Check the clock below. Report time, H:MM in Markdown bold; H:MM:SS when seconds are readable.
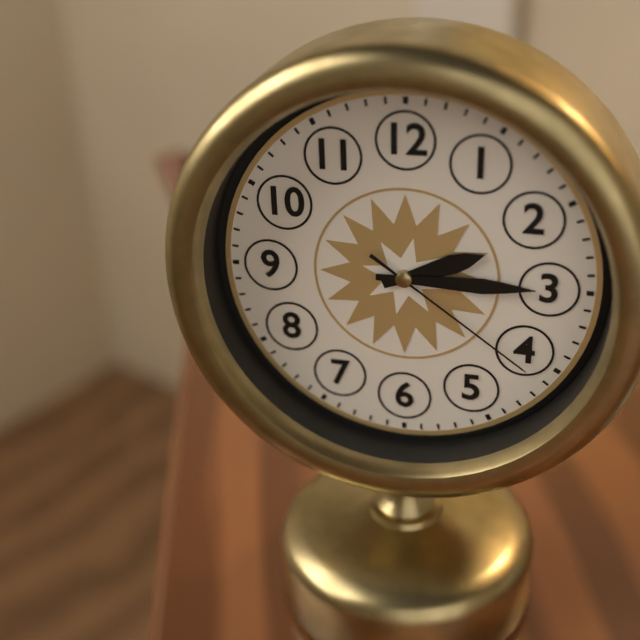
**2:15:21**
